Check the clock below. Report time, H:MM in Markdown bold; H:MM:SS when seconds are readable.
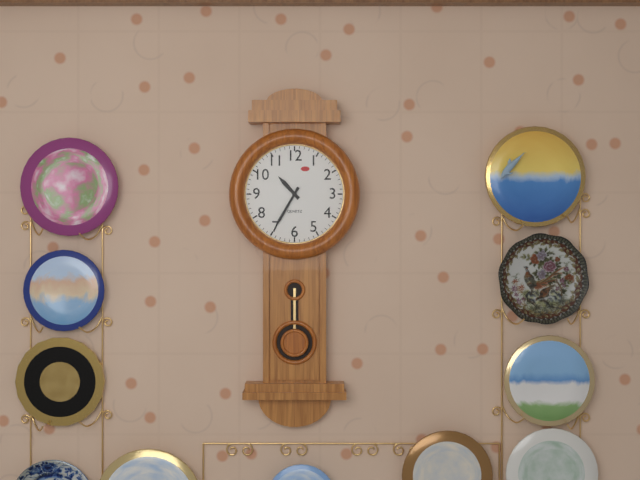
**10:35**
